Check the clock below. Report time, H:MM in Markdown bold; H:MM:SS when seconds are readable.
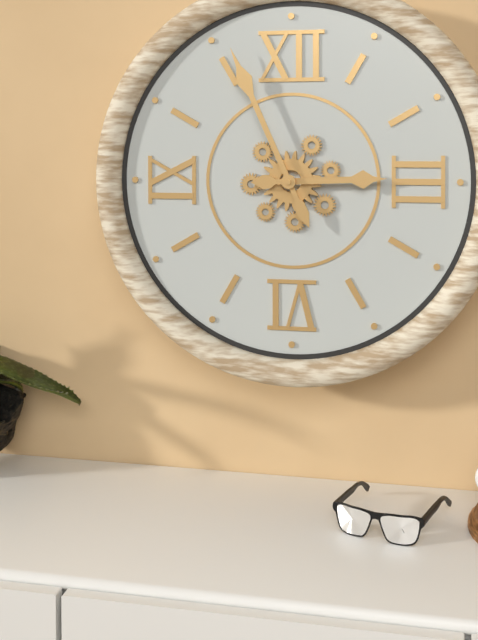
**2:56**
